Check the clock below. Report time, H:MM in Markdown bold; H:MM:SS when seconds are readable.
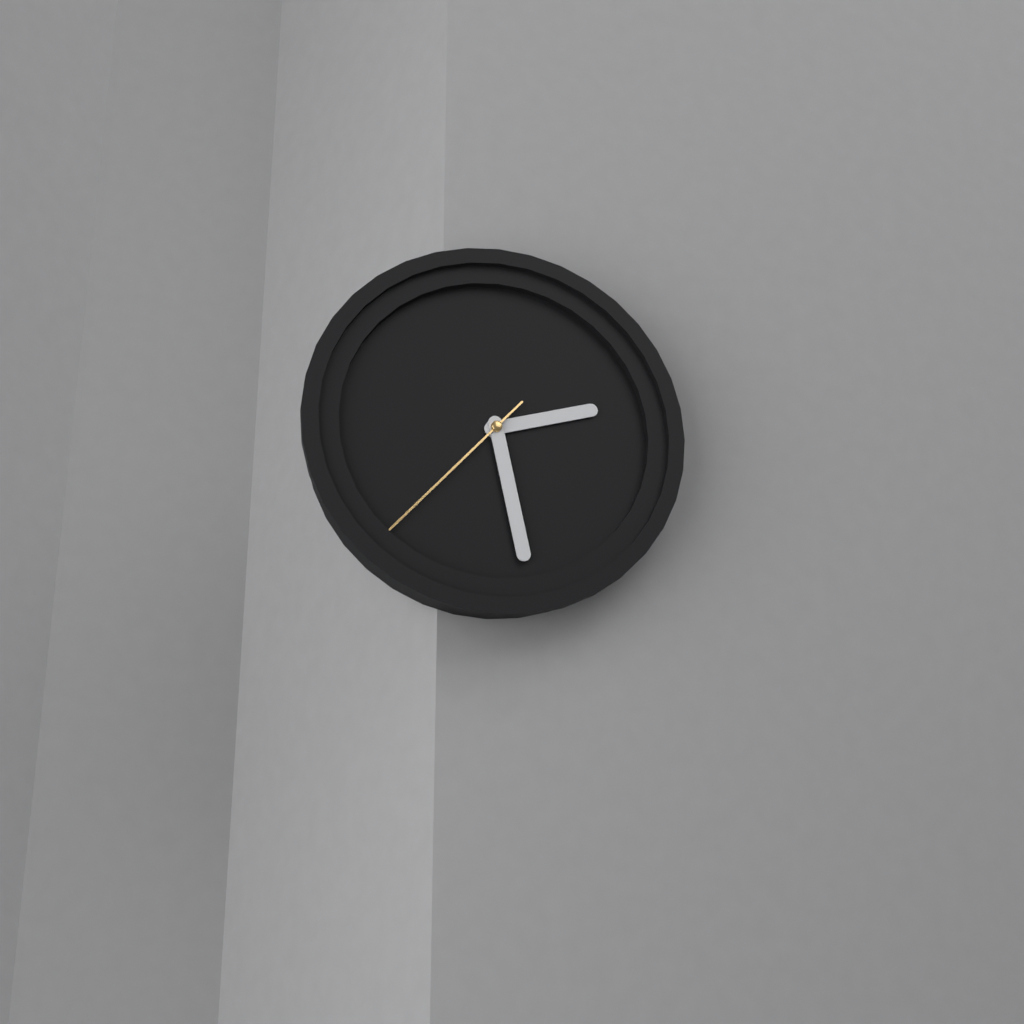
**2:28:37**
